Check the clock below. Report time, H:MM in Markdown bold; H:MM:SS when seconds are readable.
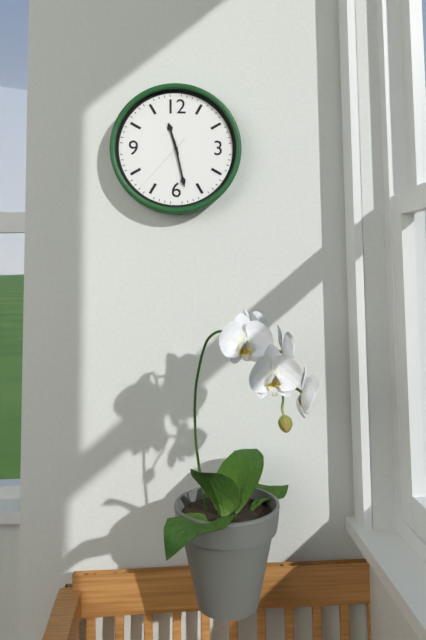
**11:28:37**
